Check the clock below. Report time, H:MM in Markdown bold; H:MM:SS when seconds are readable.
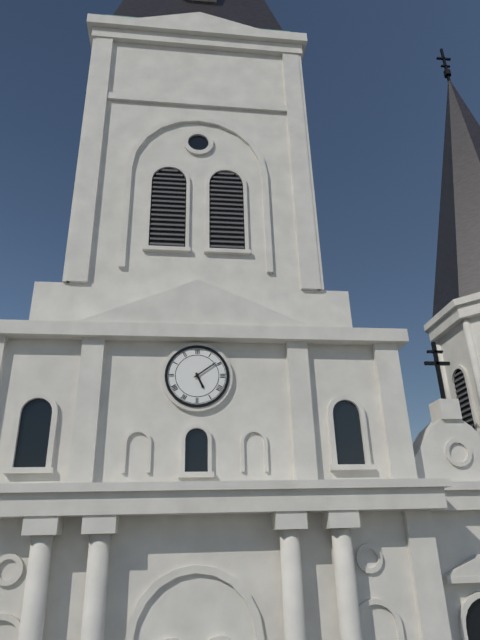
**5:09**
